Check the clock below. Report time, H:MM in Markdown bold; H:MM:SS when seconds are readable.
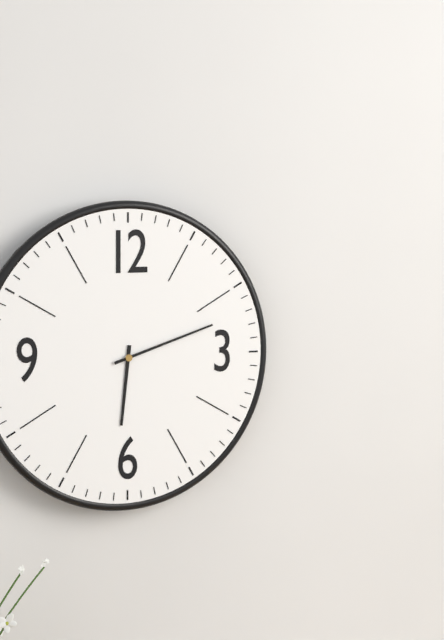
**6:12**
